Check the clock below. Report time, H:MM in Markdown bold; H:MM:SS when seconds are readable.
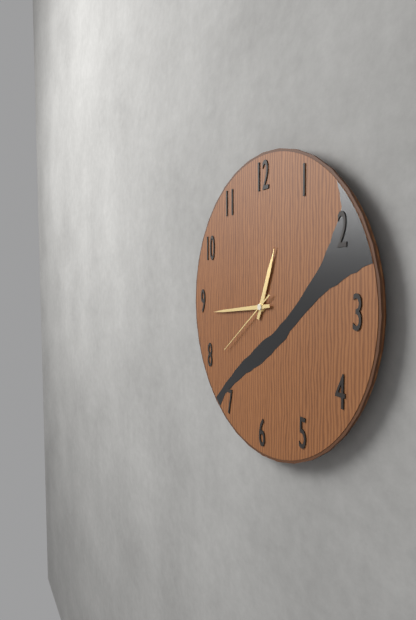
**12:44:39**
